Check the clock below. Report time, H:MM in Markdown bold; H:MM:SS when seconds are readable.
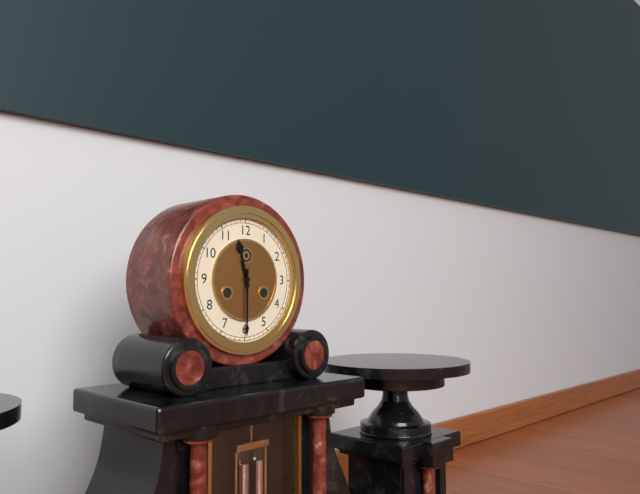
**11:30**
